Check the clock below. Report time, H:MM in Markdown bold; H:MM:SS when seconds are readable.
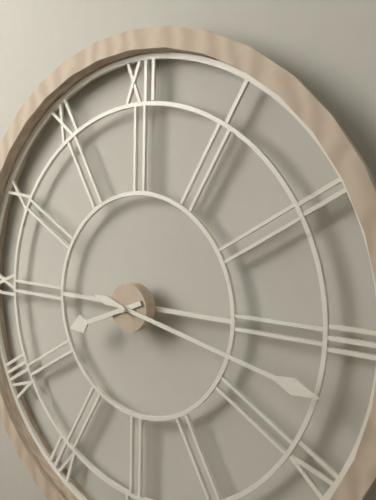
**8:17**
